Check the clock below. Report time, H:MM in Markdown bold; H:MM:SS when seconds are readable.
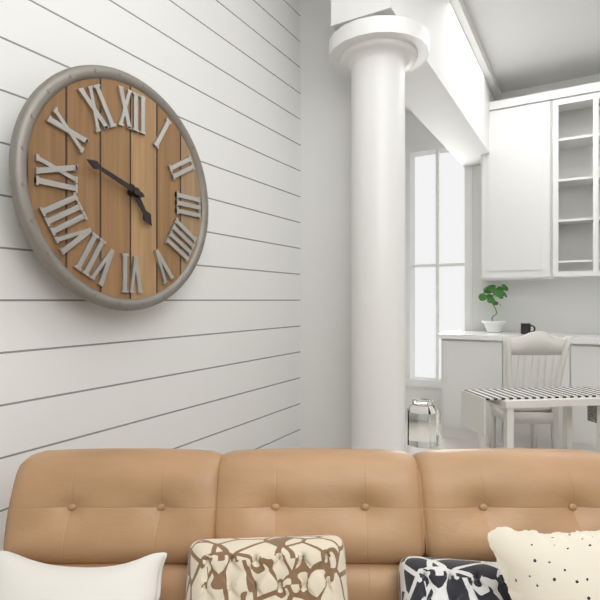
**4:48**
